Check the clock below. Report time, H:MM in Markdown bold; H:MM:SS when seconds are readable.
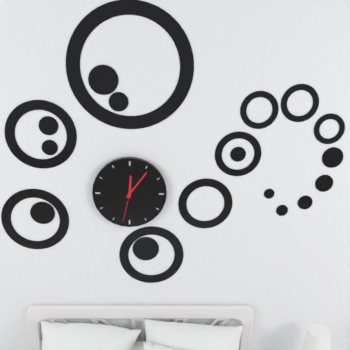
**12:06**
